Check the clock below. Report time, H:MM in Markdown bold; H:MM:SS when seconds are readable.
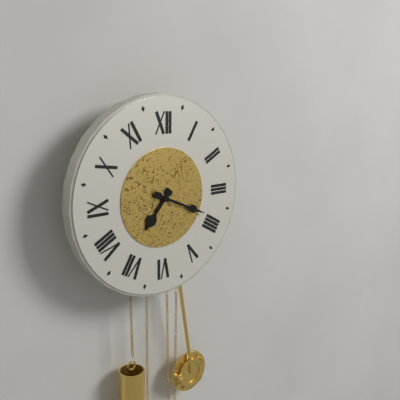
**7:19**
